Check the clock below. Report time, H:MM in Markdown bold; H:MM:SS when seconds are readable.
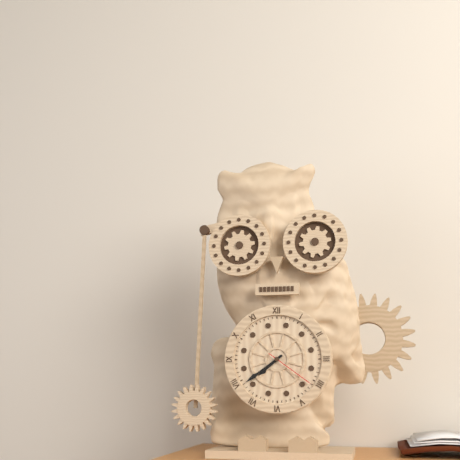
**7:39:21**
